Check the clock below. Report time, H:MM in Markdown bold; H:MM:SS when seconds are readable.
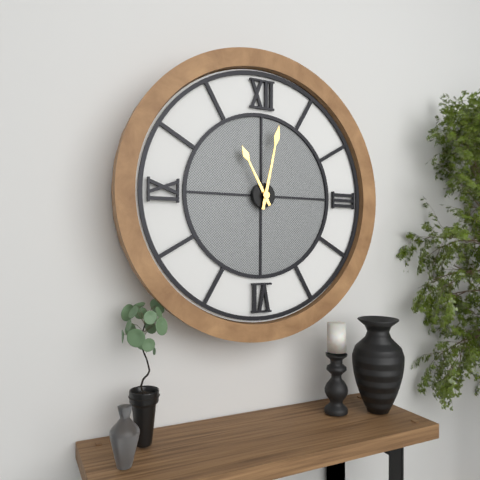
**11:02**
